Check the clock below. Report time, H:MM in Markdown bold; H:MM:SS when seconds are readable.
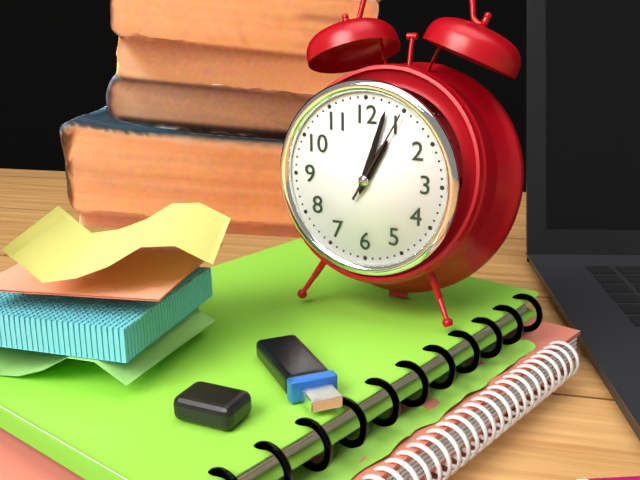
**1:03:05**
